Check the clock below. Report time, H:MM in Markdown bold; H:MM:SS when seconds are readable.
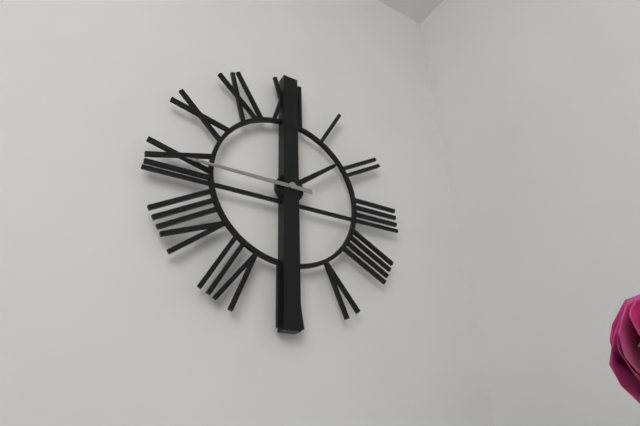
**1:45**
